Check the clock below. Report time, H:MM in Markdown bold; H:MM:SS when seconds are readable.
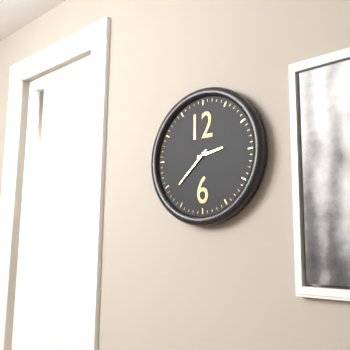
**2:38**
